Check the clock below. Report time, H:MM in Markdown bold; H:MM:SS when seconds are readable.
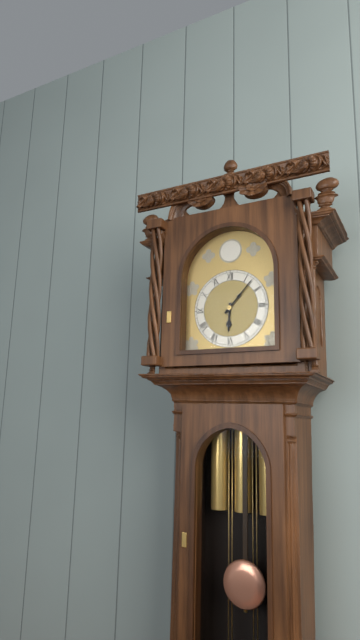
**6:07**
